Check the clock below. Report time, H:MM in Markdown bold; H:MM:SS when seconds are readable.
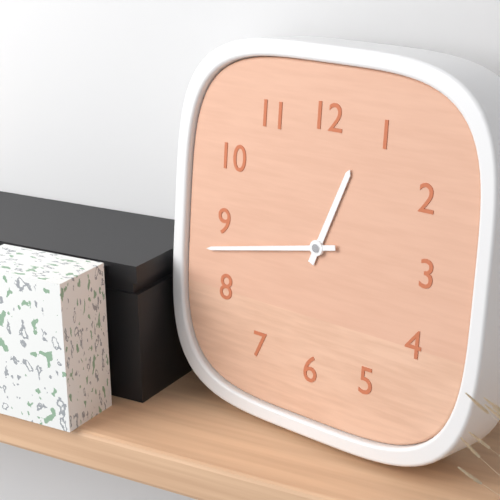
**12:43**
